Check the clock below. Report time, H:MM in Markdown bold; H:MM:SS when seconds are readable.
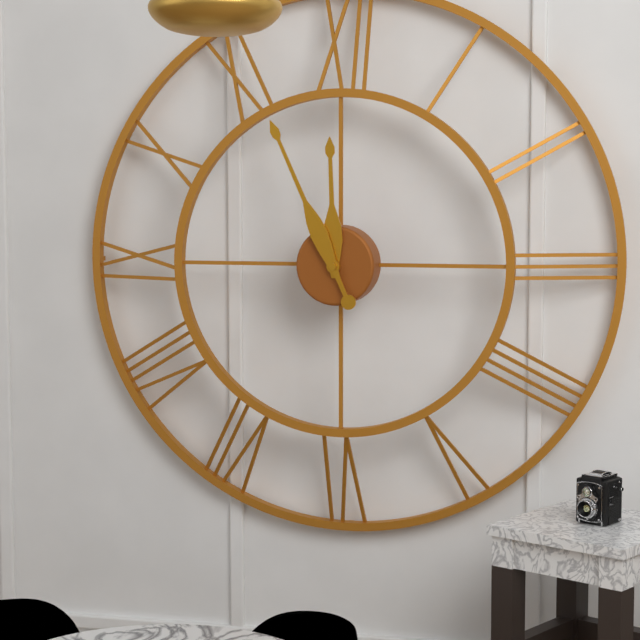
**11:56**
